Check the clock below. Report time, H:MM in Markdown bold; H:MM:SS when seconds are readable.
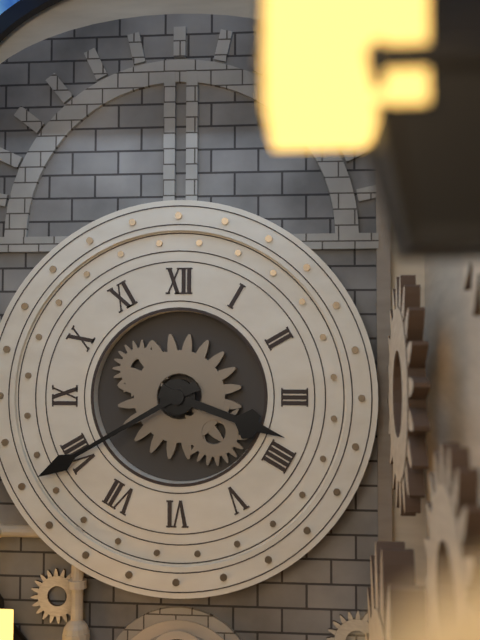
**3:40**
